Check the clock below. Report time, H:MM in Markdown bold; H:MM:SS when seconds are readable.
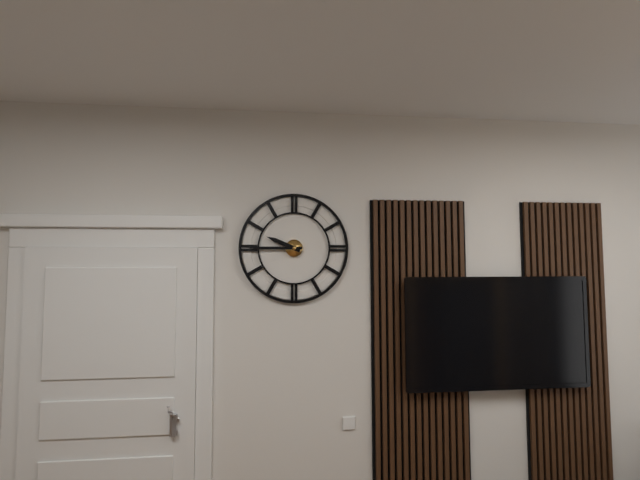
**9:45**
